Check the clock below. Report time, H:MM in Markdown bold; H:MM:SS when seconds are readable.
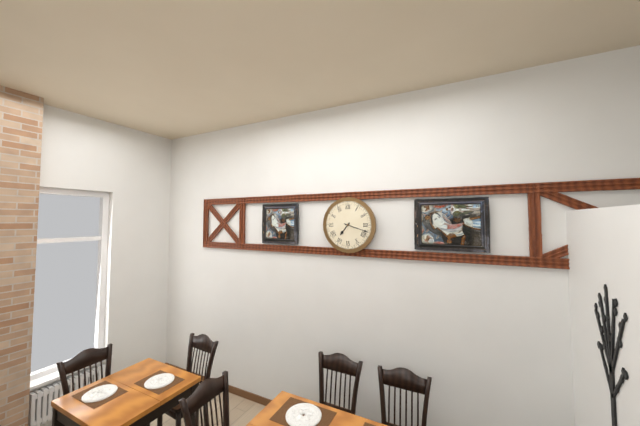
**7:18**
